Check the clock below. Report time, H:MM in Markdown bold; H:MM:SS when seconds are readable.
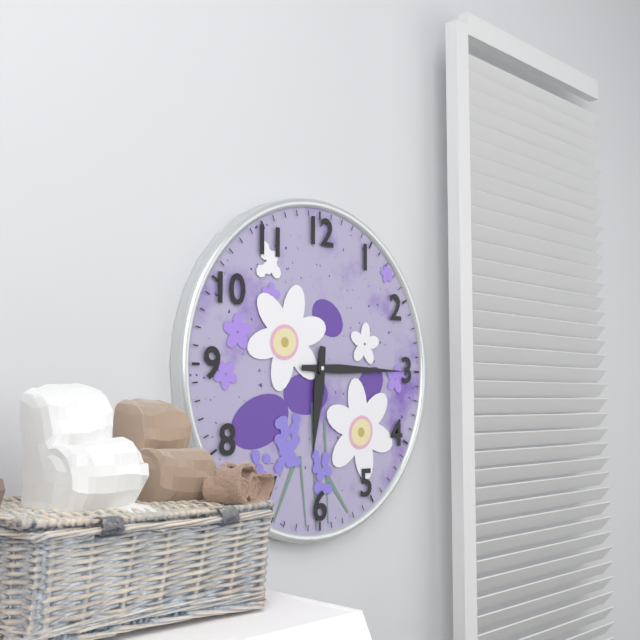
**6:15**
